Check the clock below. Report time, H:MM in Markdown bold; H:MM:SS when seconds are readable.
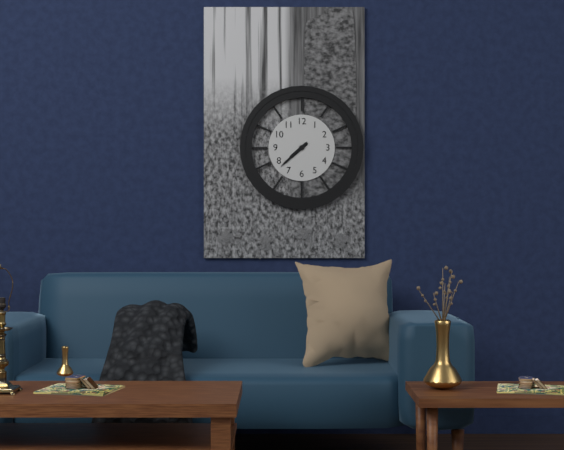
**7:38**
